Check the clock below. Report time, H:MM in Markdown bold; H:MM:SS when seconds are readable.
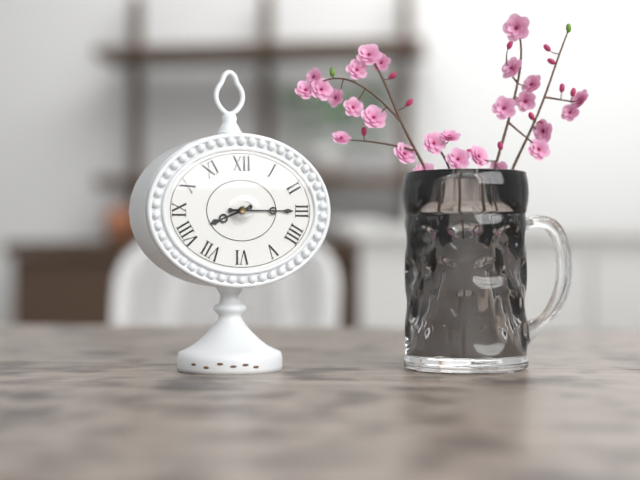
**8:15**
